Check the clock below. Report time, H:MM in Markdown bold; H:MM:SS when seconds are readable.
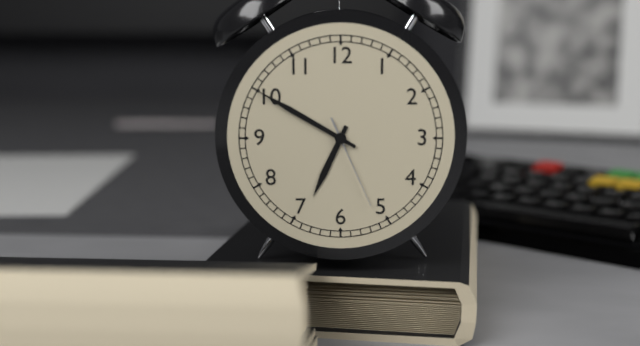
**6:50:26**
